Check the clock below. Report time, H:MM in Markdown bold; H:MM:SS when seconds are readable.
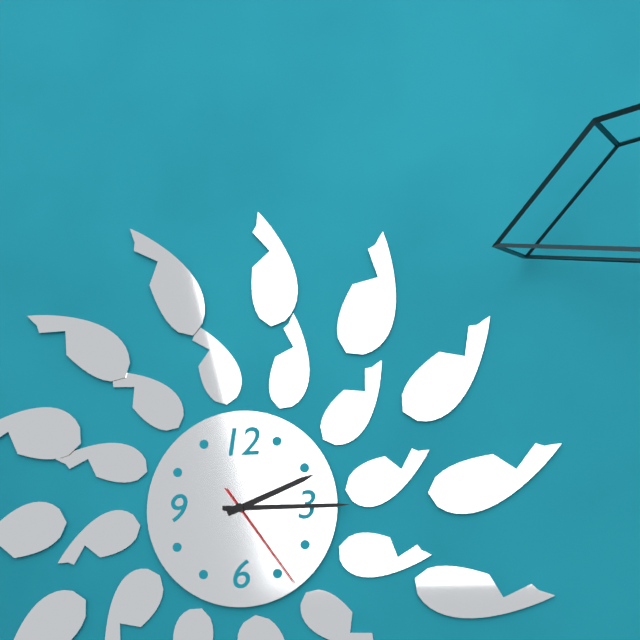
**2:15:24**
